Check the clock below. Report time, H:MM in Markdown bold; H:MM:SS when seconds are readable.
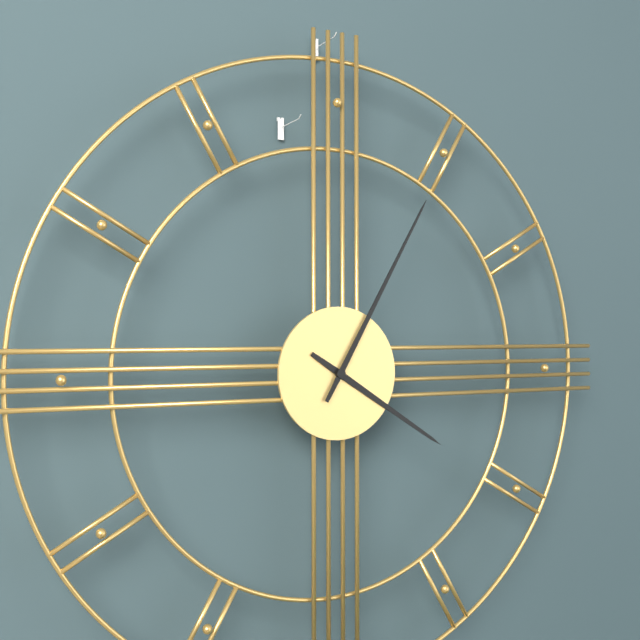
**4:05**
